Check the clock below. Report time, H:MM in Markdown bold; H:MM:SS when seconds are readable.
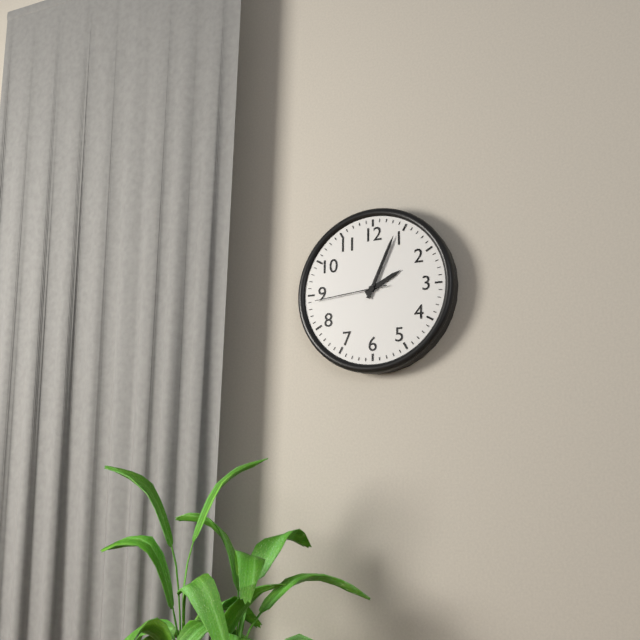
**2:04:44**
